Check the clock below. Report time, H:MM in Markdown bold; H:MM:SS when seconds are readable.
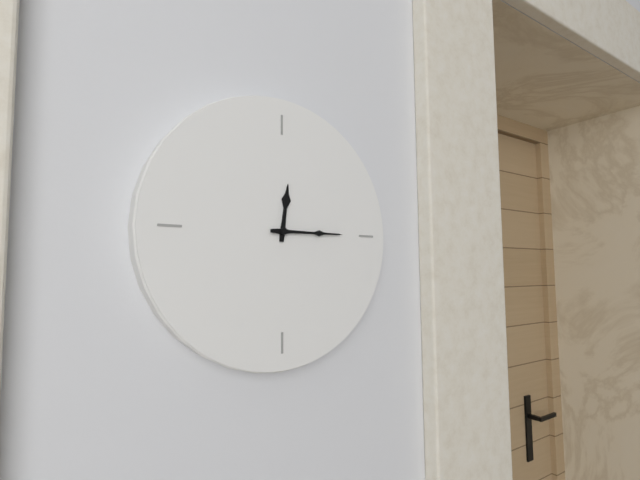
**12:15**
